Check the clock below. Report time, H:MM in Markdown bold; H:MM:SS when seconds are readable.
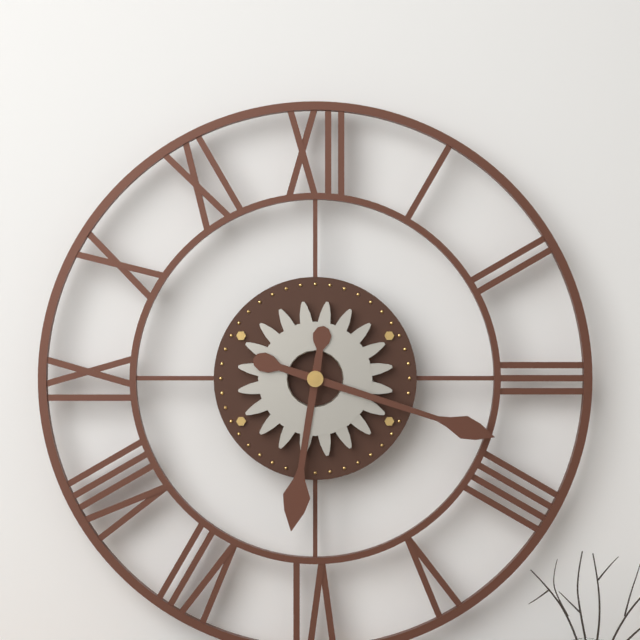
**6:18**
